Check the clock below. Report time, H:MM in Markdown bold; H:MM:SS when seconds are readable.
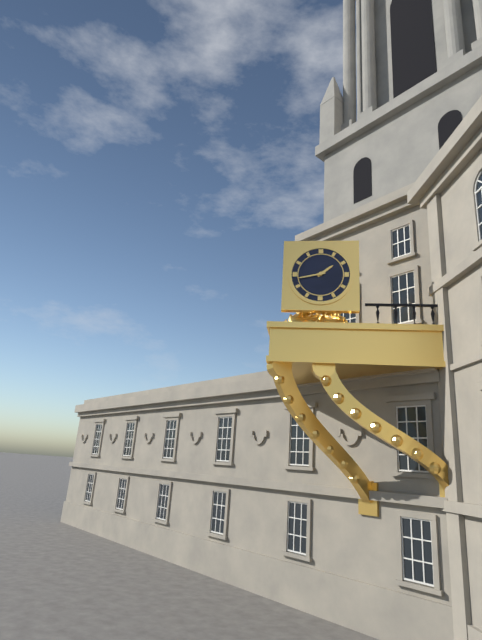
**1:43**
